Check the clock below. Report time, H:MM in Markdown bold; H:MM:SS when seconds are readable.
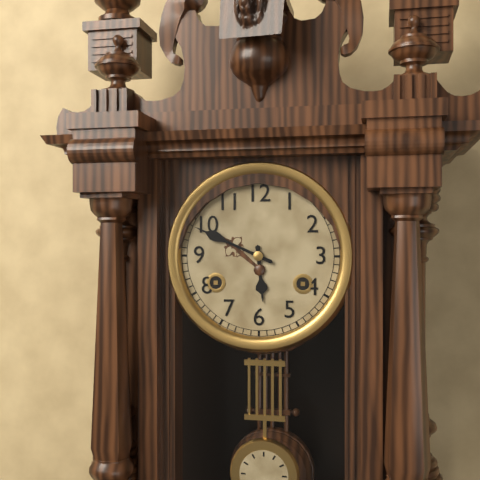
**5:49**
